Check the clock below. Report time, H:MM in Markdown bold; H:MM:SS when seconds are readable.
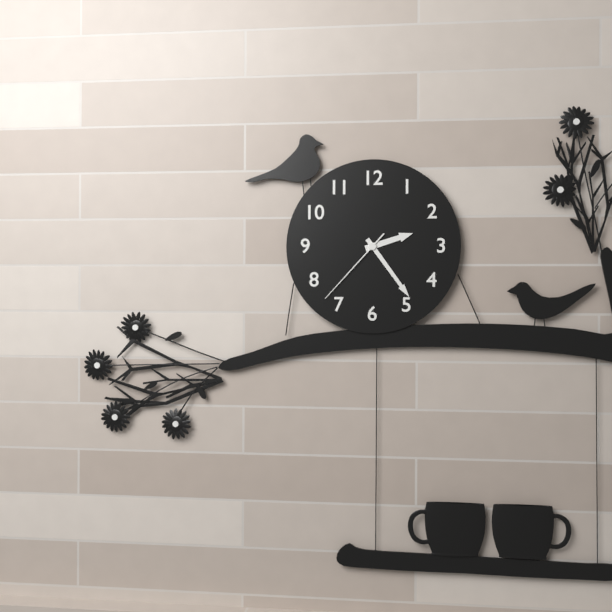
**2:24:37**
